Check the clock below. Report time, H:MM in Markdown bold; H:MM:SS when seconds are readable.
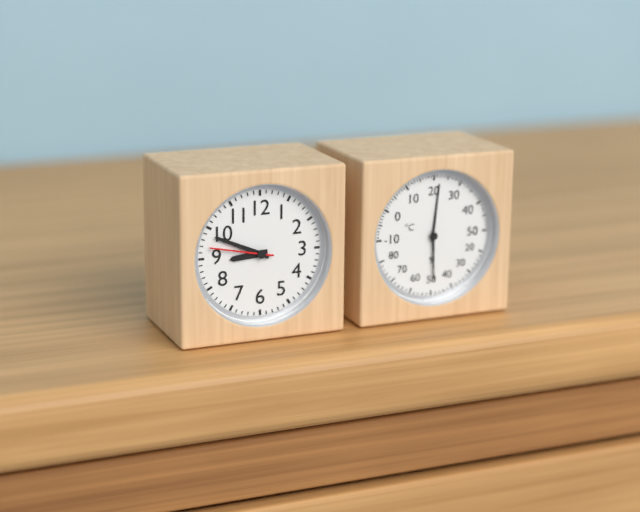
**8:49:47**
